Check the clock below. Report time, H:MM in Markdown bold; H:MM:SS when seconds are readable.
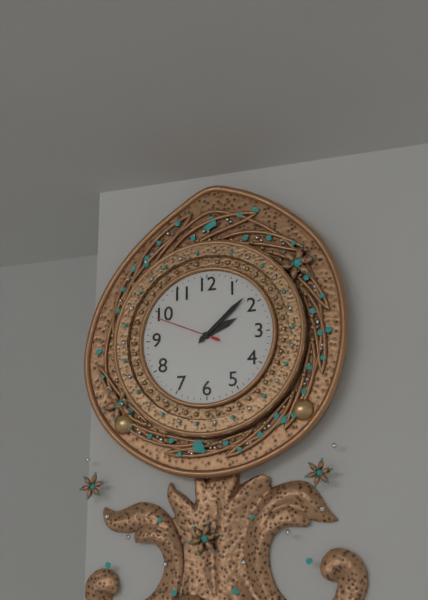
**2:08:49**
